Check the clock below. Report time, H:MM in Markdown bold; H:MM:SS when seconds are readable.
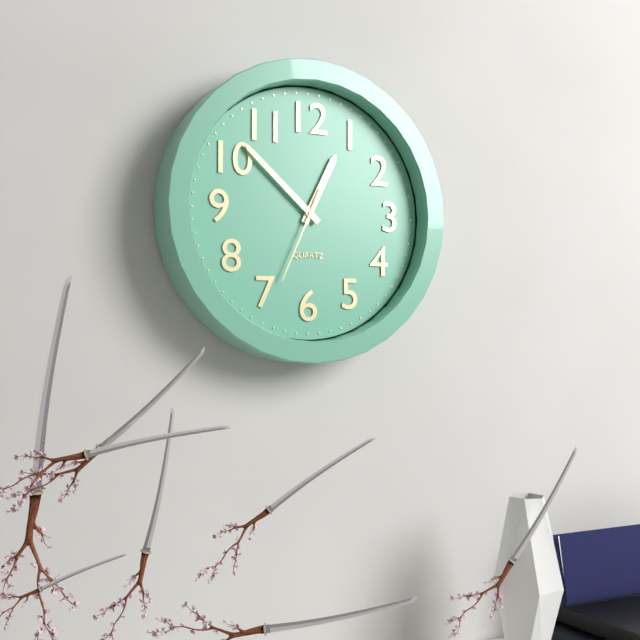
**12:52:34**
